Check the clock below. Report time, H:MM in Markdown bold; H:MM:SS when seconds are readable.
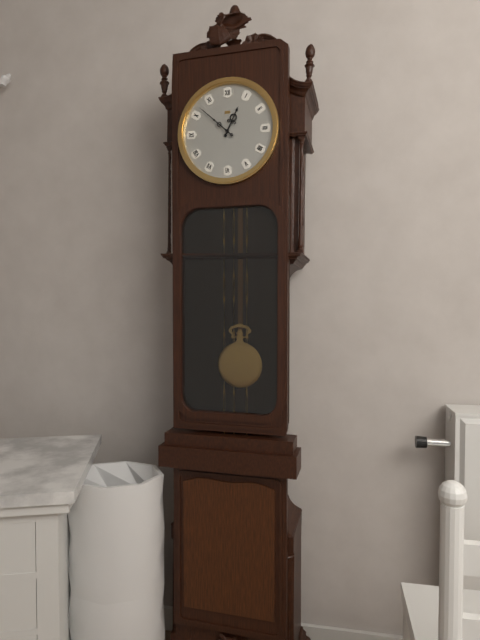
**12:52**
